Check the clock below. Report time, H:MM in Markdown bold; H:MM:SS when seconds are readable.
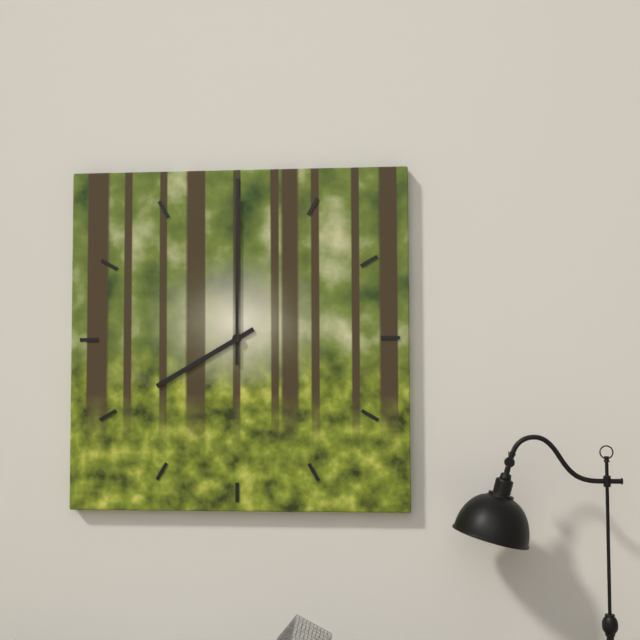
**8:00**
